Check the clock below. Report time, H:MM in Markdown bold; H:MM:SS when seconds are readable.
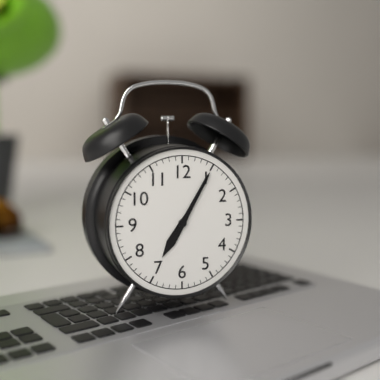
**7:05**
